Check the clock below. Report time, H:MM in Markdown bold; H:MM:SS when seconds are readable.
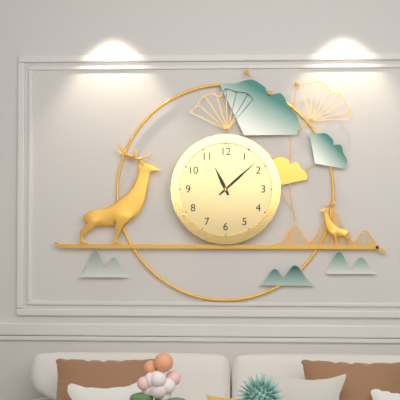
**11:08**
